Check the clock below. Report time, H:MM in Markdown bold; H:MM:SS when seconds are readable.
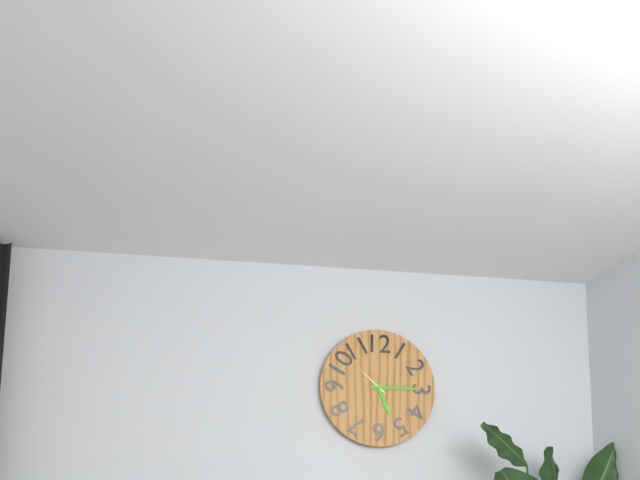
**5:15**
